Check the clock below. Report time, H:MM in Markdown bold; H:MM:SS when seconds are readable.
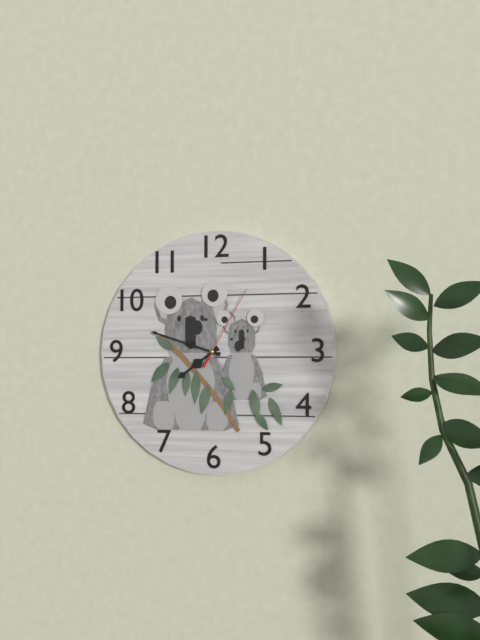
**7:48:05**
